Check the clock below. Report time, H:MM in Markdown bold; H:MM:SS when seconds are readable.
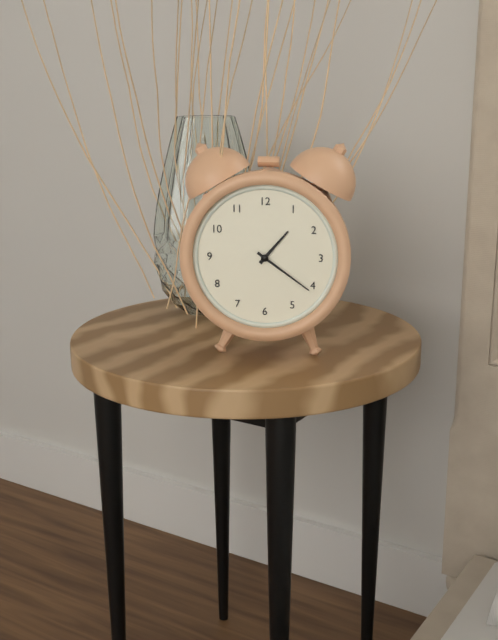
**1:21**
